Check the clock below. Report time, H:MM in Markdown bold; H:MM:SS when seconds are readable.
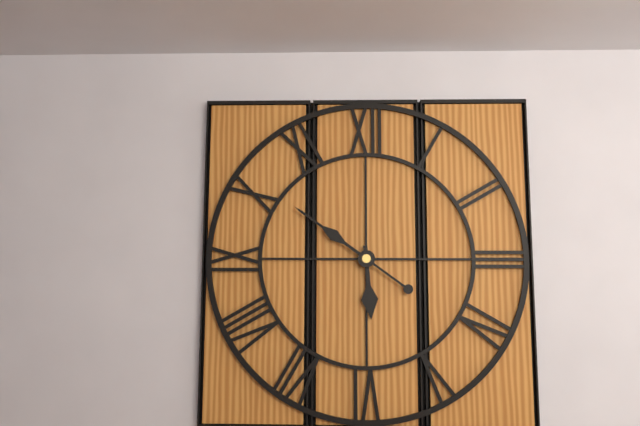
**5:51**
